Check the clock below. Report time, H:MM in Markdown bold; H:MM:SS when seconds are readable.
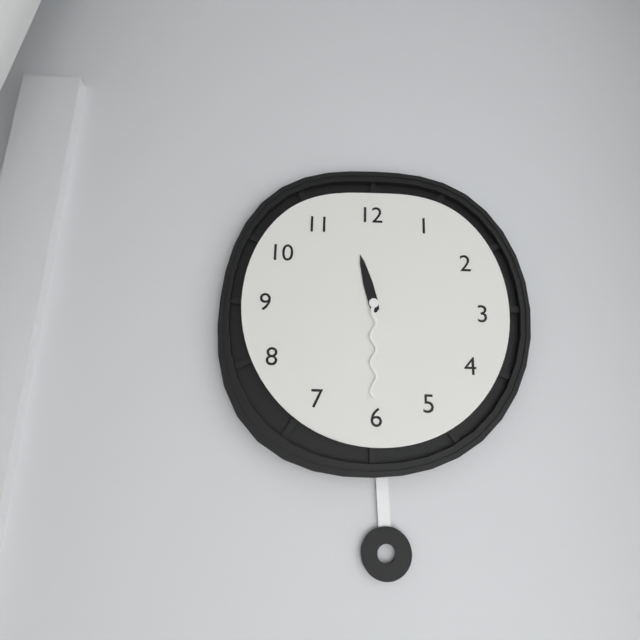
**11:30**
